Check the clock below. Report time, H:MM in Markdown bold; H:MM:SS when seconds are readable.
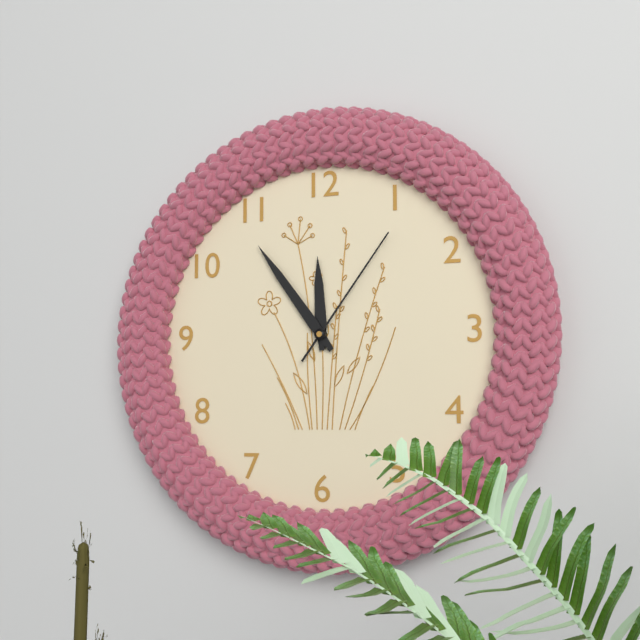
**11:54:06**
